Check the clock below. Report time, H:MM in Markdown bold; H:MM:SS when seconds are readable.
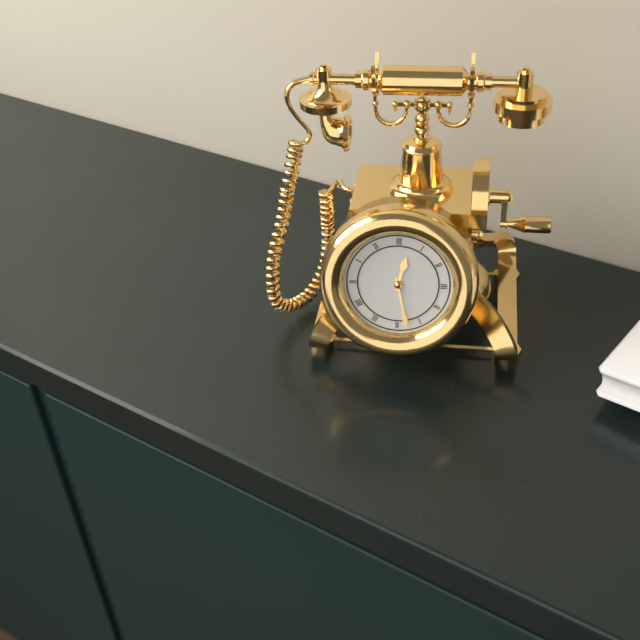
**12:28**
